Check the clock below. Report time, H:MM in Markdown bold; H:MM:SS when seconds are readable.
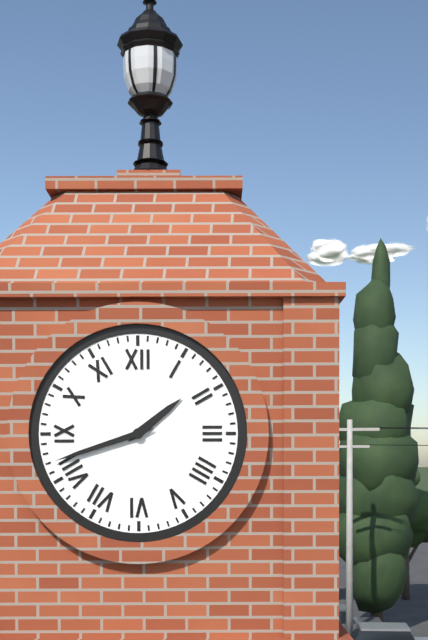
**1:42**
